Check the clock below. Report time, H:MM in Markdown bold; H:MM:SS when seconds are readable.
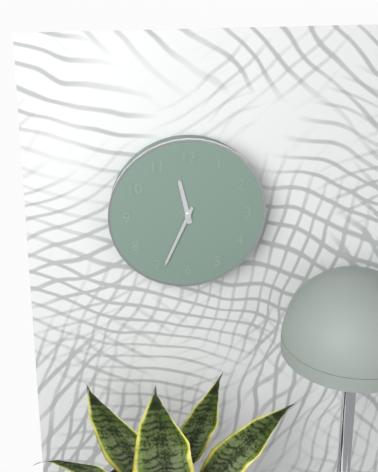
**11:34**
